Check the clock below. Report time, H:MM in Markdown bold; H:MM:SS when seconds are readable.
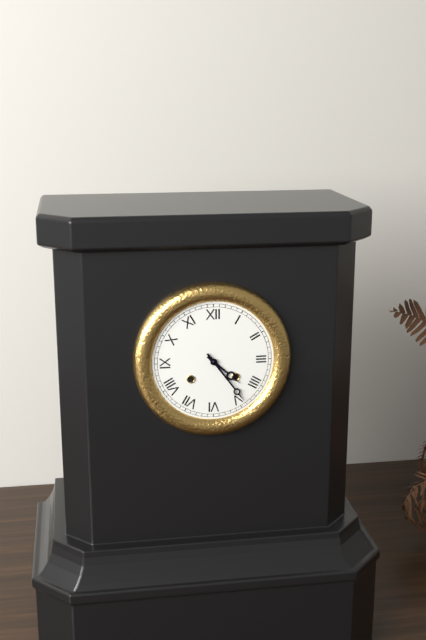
**4:24**
